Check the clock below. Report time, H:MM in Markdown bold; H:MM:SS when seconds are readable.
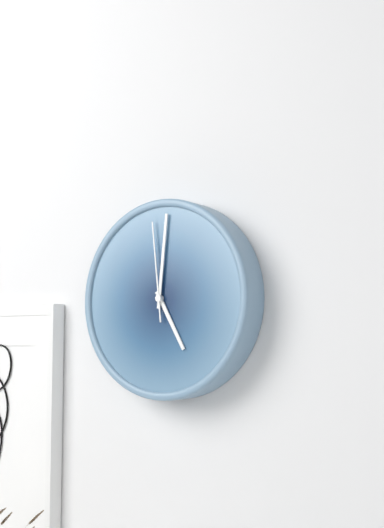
**5:01:59**
